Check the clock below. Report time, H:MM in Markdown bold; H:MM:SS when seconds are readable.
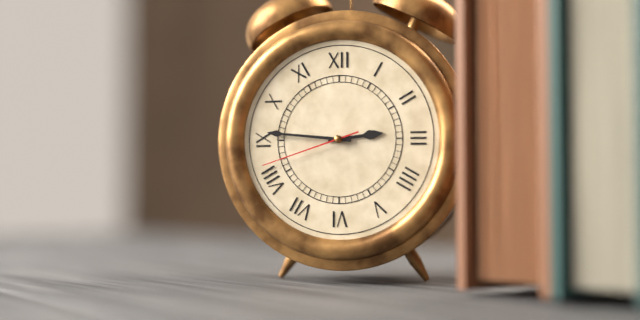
**2:46:42**
